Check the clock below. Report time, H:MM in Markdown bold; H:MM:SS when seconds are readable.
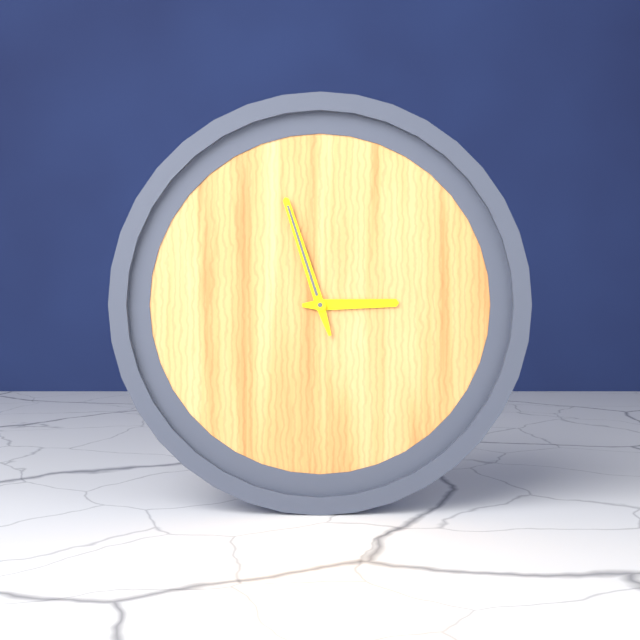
**2:57**
